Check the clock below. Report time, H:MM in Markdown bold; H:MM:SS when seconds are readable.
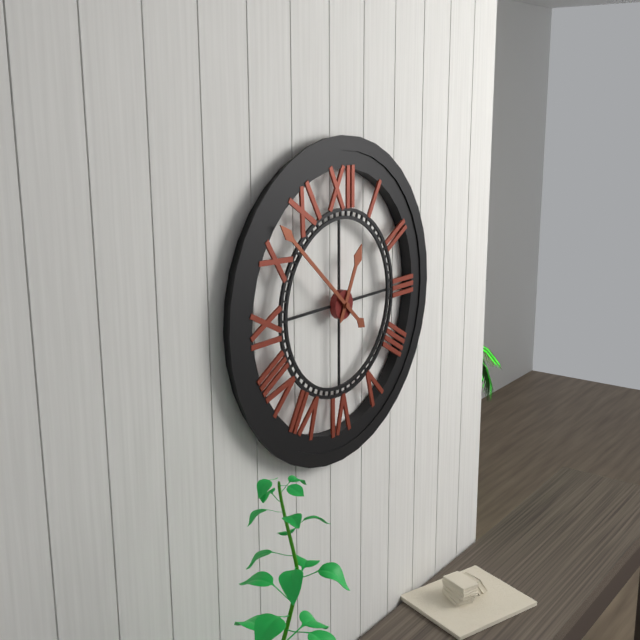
**12:52**
